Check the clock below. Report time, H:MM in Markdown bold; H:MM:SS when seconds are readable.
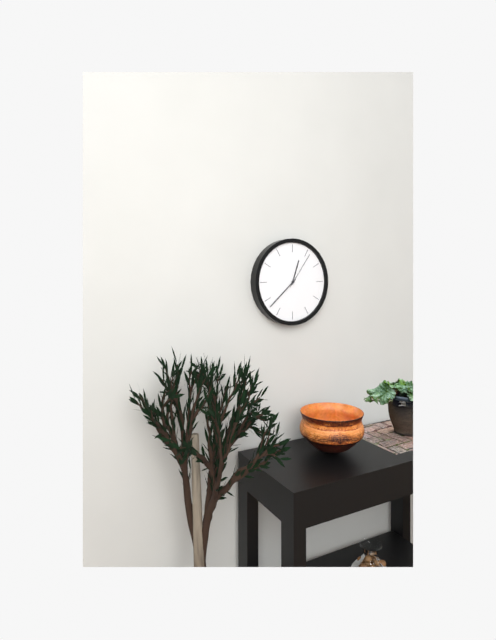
**12:38**
